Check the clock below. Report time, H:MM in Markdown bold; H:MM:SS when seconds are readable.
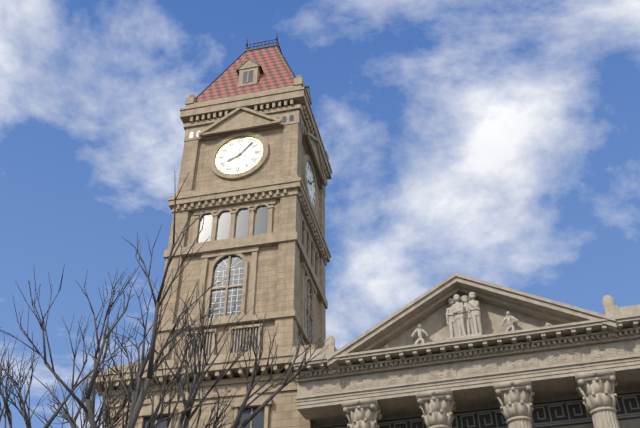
**8:07**
